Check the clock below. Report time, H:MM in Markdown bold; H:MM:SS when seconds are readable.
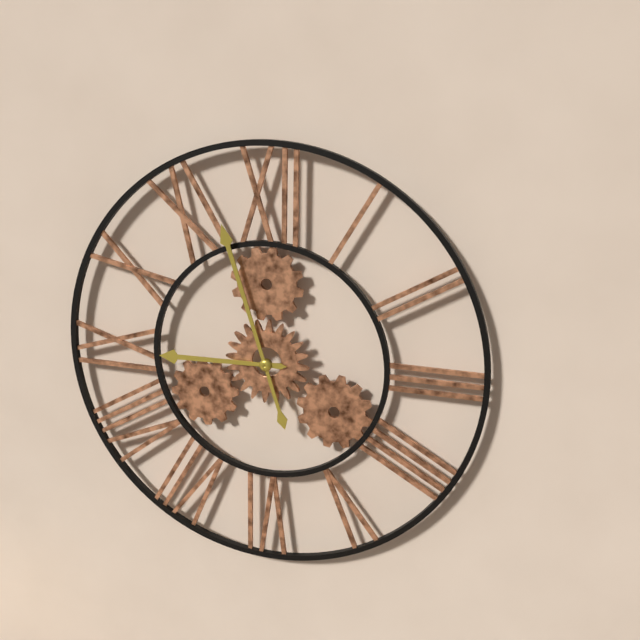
**8:57**
